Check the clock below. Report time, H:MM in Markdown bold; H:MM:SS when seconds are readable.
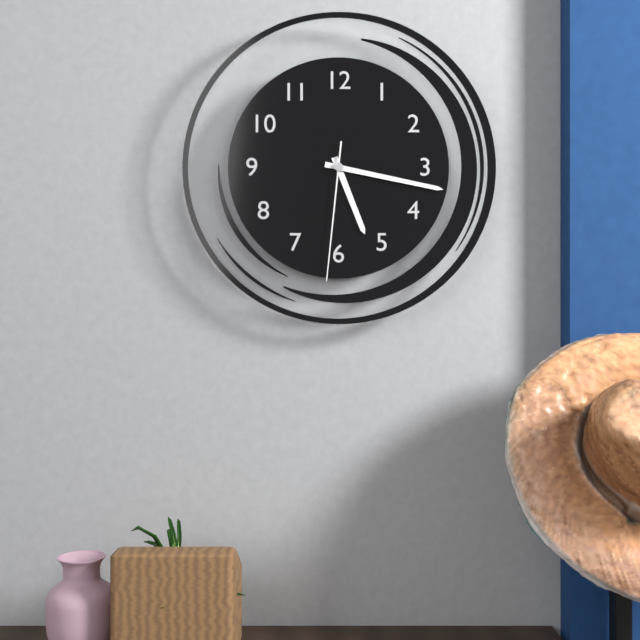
**5:17:31**
